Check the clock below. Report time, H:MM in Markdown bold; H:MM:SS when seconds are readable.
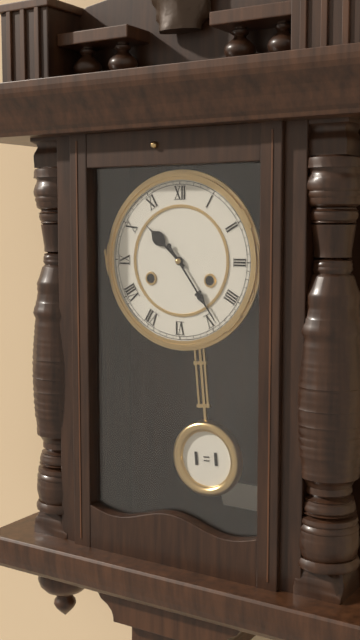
**10:24**
